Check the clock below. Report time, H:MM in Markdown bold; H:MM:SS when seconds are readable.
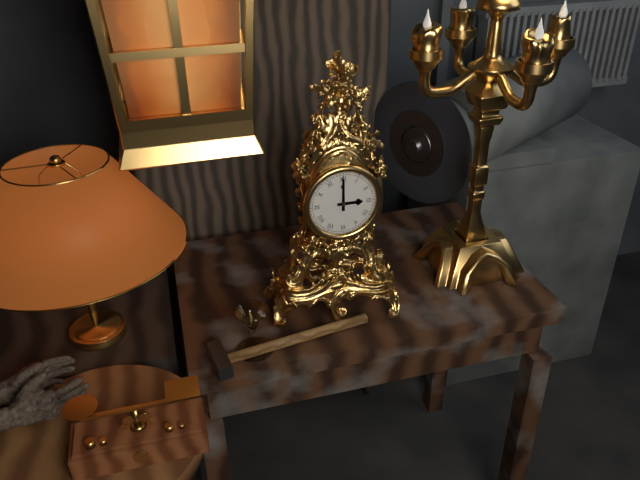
**3:00**
